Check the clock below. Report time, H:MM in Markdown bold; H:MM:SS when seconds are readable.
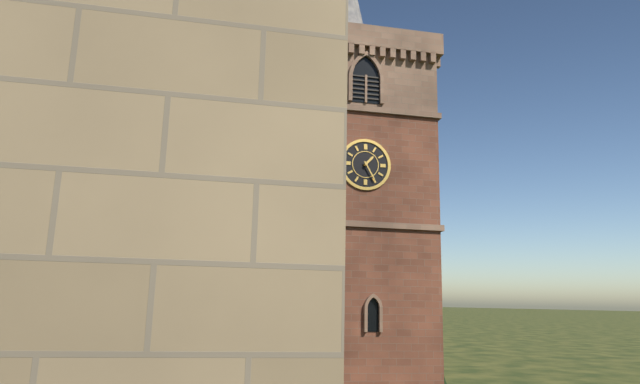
**1:25**
